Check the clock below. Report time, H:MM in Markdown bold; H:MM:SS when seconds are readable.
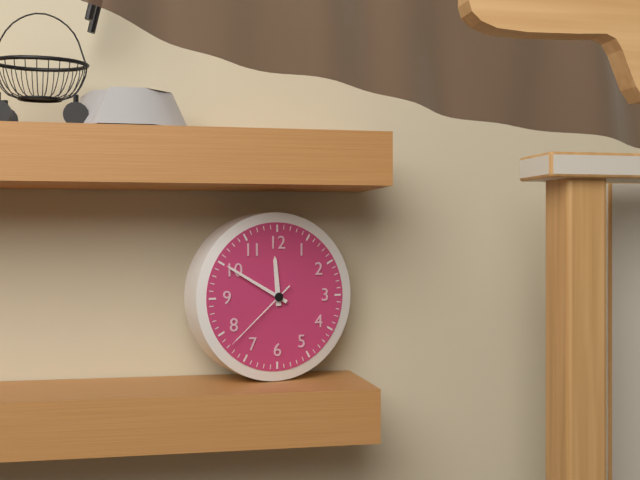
**11:50:38**
